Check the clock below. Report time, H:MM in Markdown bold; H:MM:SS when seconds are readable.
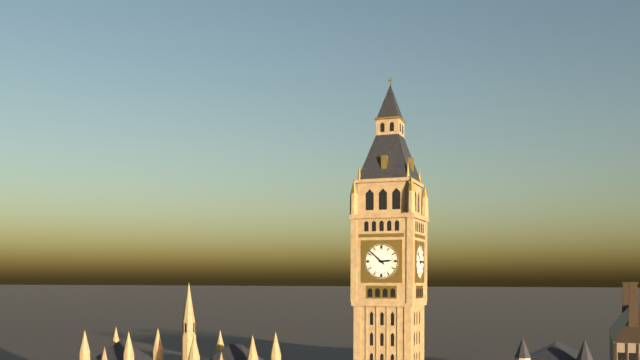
**2:52**
